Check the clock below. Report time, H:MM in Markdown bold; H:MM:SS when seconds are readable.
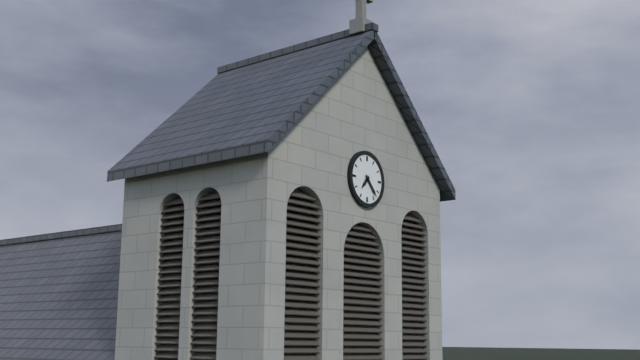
**7:23**
